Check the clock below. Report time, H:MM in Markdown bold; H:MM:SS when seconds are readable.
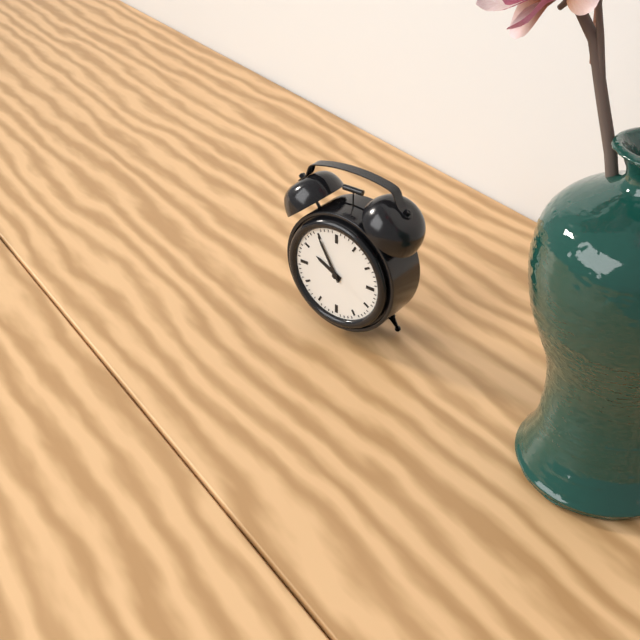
**9:55**
